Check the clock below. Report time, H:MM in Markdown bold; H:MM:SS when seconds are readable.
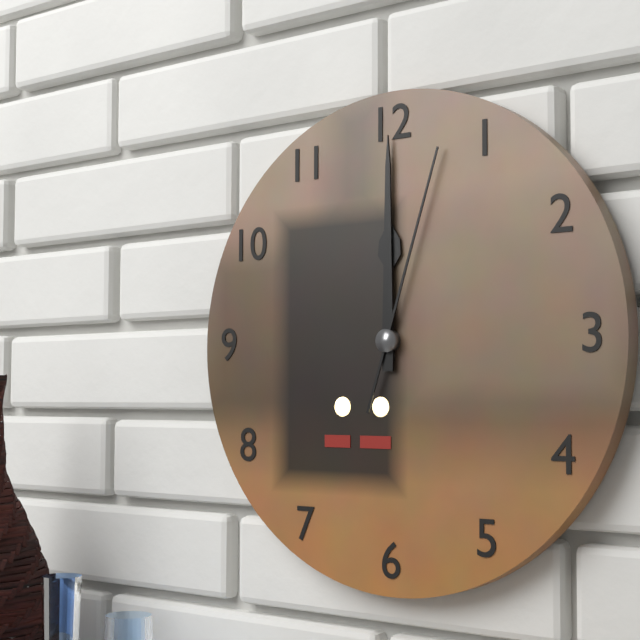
**12:00:03**
